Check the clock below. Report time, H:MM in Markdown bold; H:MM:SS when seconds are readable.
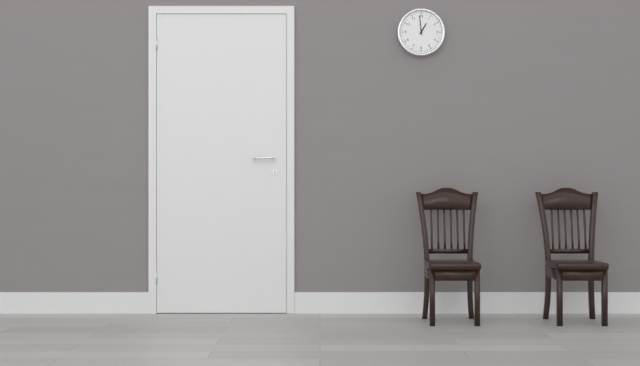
**12:59**
